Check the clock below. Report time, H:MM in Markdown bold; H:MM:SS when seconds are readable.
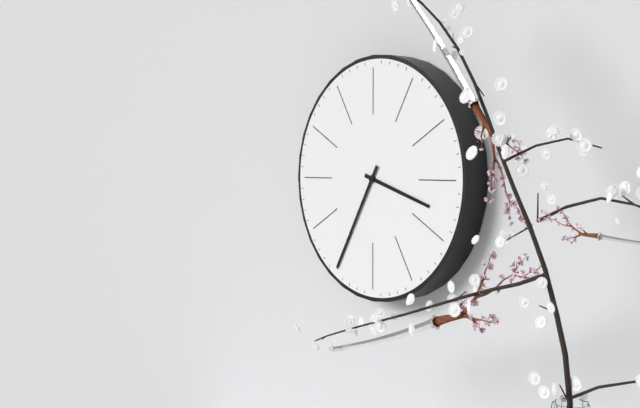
**3:35**
